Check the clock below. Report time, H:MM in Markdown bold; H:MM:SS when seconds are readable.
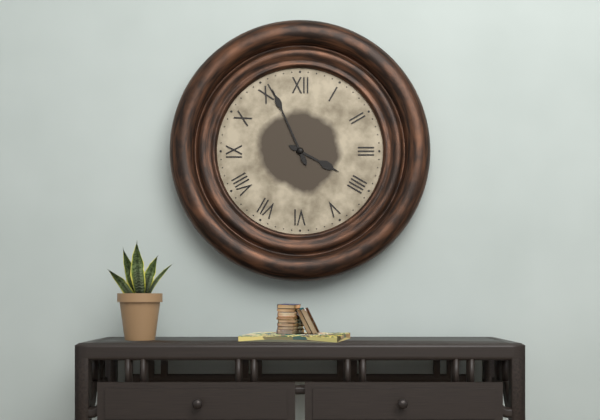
**3:56**
